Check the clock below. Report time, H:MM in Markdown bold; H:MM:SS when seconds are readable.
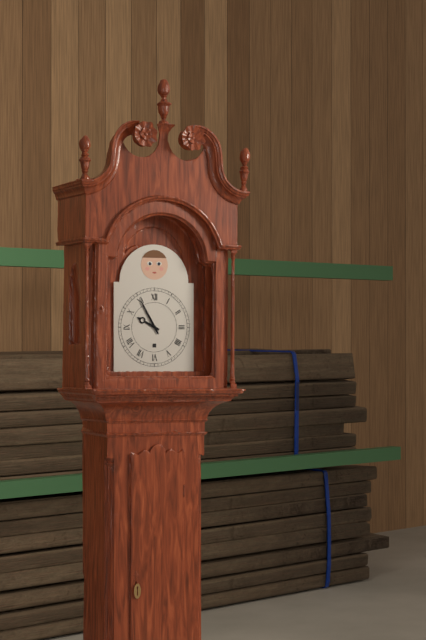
**9:55**
